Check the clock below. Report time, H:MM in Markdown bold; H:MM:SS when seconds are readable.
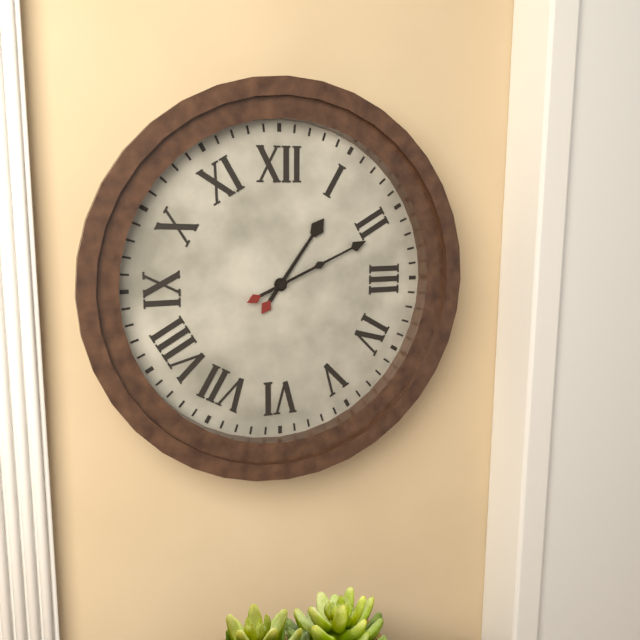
**1:11**
